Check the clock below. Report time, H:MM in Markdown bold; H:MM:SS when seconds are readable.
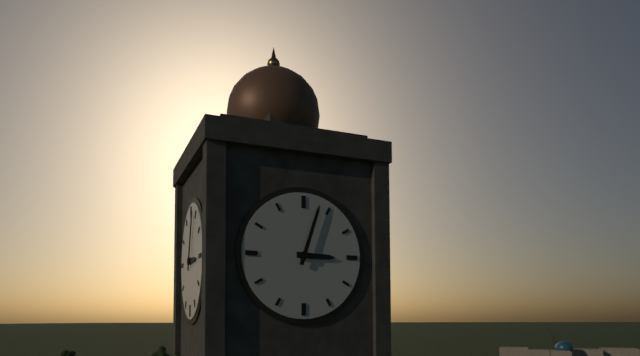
**3:03**
